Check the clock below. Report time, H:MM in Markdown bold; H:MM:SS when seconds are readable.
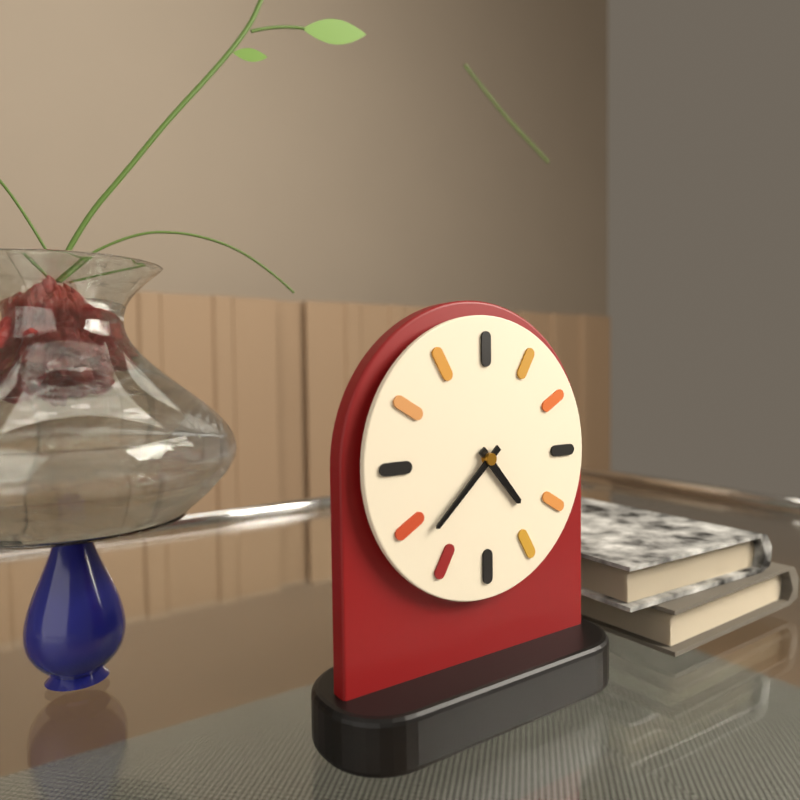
**4:38**
